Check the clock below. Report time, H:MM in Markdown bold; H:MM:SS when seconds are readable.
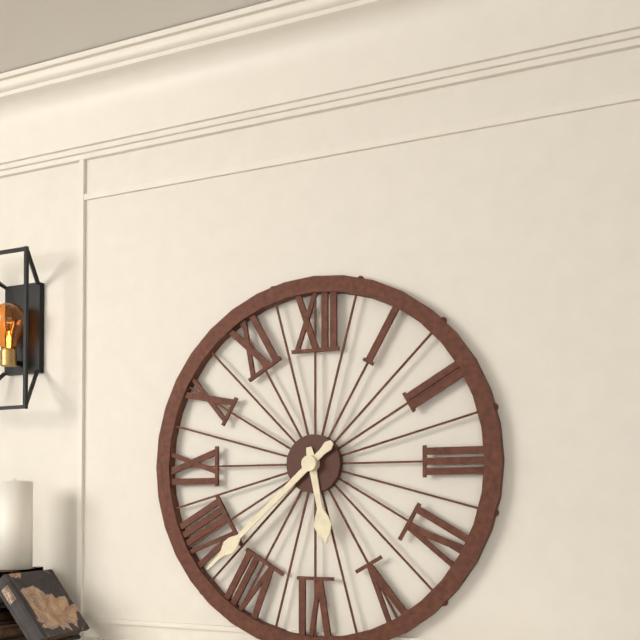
**5:38**
